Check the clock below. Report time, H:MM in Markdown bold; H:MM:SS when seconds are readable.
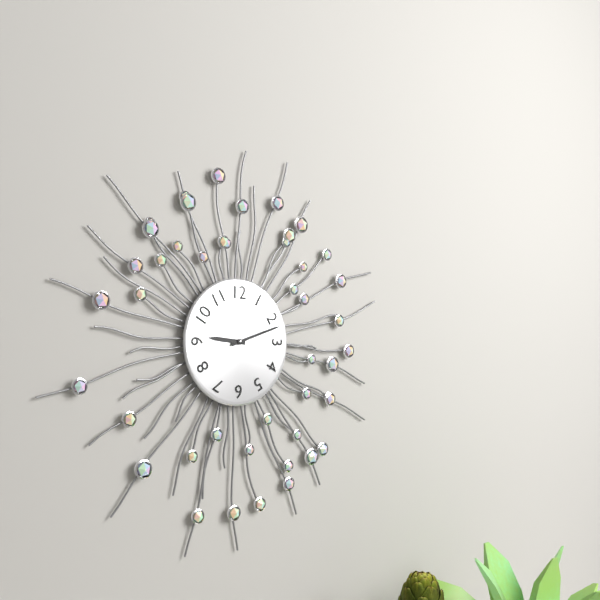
**9:12**
